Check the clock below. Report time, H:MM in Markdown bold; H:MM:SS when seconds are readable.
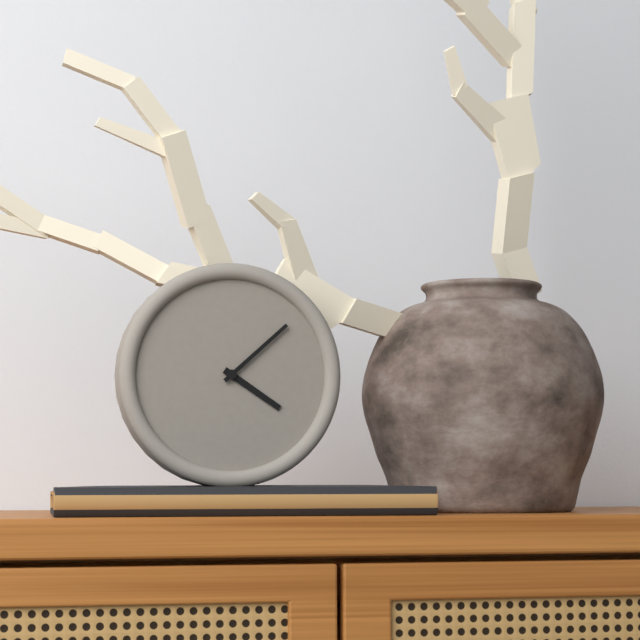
**4:08**
